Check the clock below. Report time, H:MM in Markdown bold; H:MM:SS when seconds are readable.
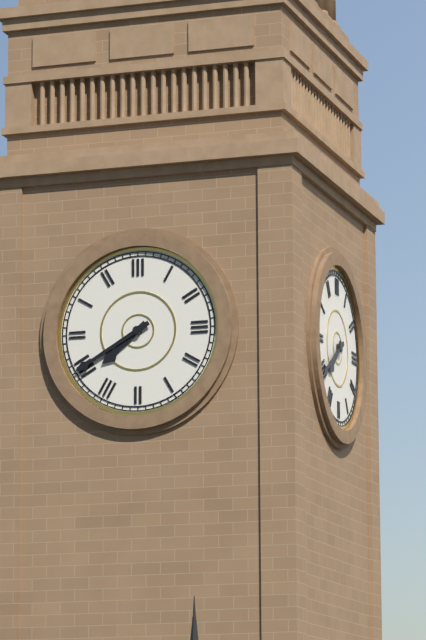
**7:40**
